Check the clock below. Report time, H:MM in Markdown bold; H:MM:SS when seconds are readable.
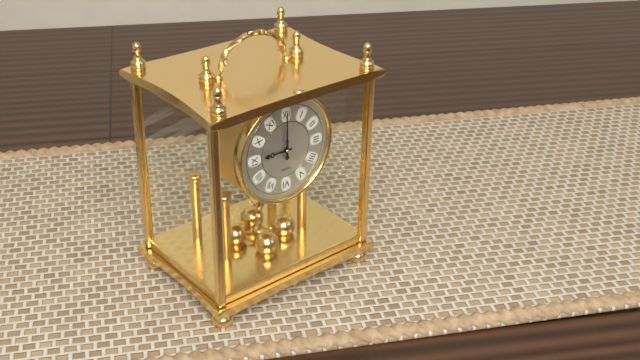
**9:00**
